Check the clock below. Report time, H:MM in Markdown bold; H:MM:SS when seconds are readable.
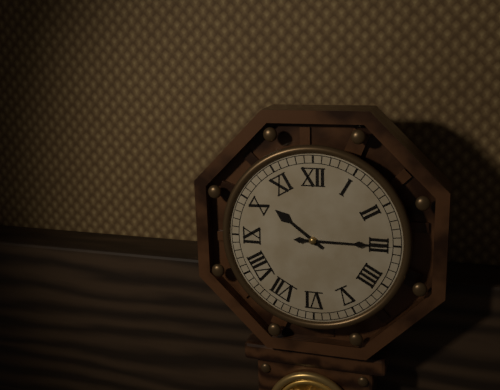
**10:15**
